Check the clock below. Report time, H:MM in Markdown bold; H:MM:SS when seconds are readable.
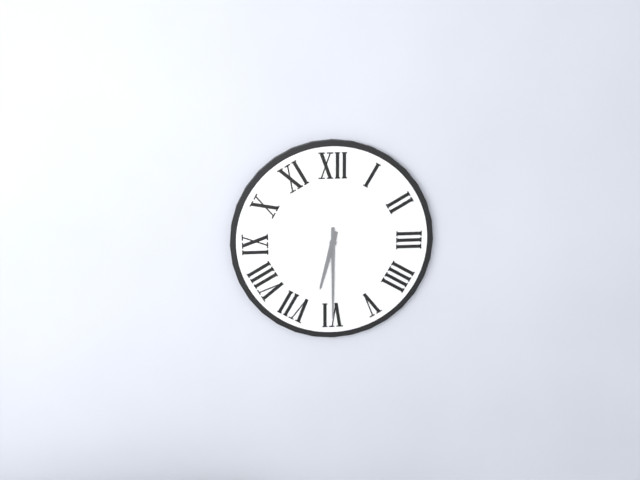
**6:30**
